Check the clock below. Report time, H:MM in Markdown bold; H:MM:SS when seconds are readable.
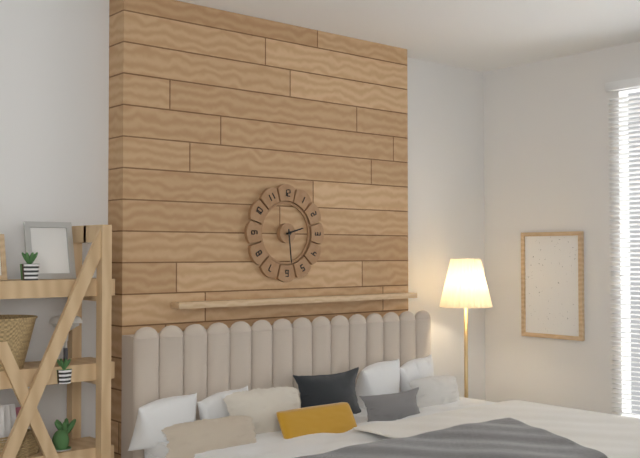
**2:29**
